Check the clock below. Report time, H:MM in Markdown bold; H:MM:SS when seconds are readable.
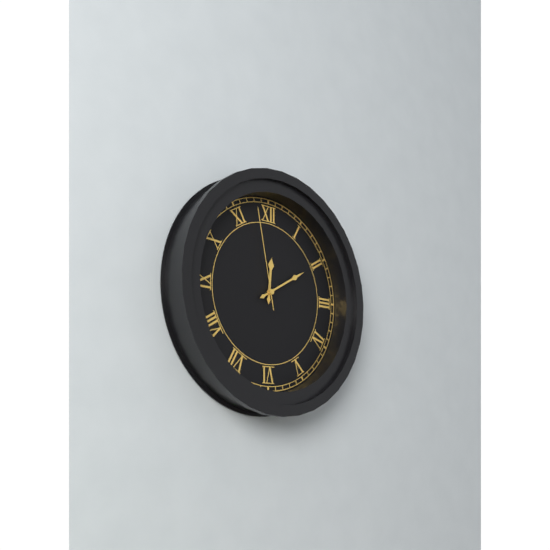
**12:10:58**
